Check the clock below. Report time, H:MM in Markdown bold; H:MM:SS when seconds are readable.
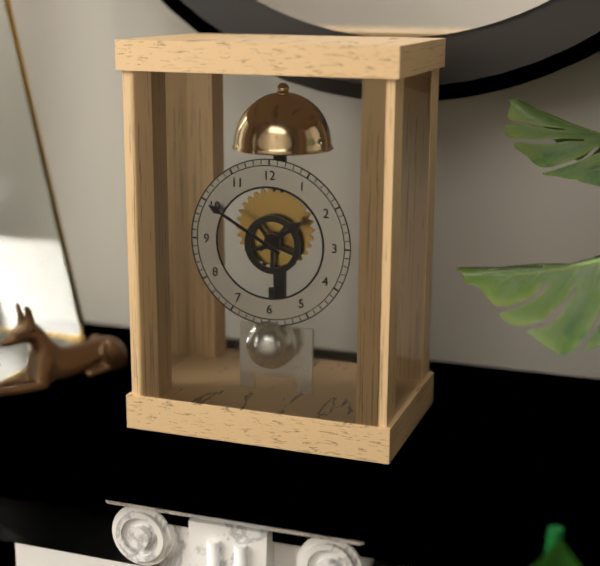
**1:50**
